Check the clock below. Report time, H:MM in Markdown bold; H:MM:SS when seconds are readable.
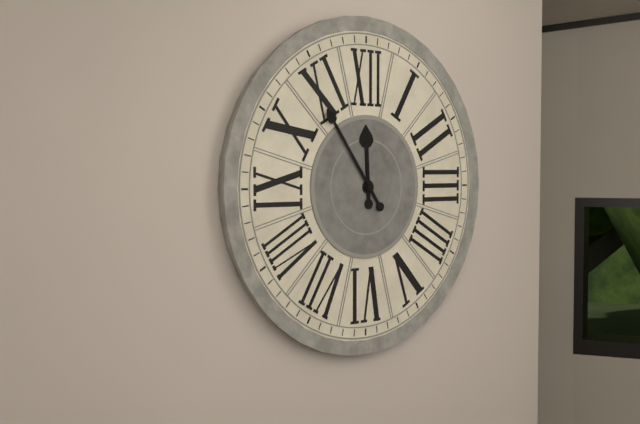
**11:54**
